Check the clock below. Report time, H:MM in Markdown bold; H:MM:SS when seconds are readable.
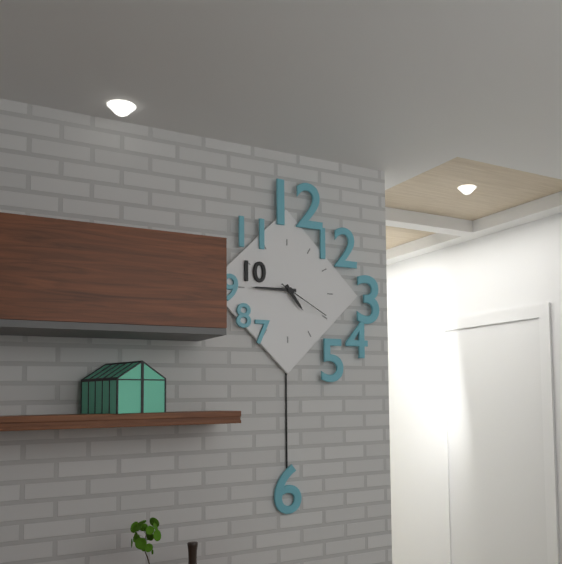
**4:45:20**
